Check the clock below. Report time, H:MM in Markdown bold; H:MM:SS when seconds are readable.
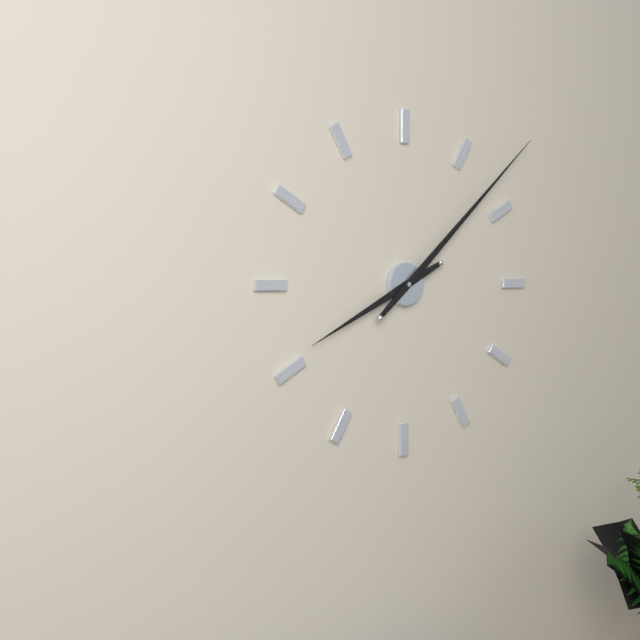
**8:08**
